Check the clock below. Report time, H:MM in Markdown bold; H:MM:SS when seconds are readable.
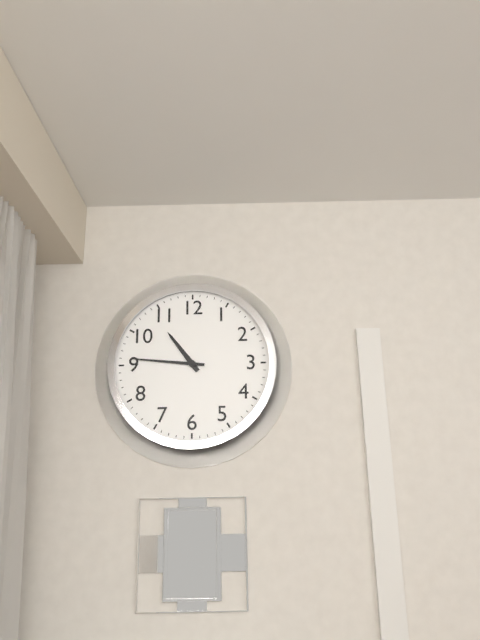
**10:46**
